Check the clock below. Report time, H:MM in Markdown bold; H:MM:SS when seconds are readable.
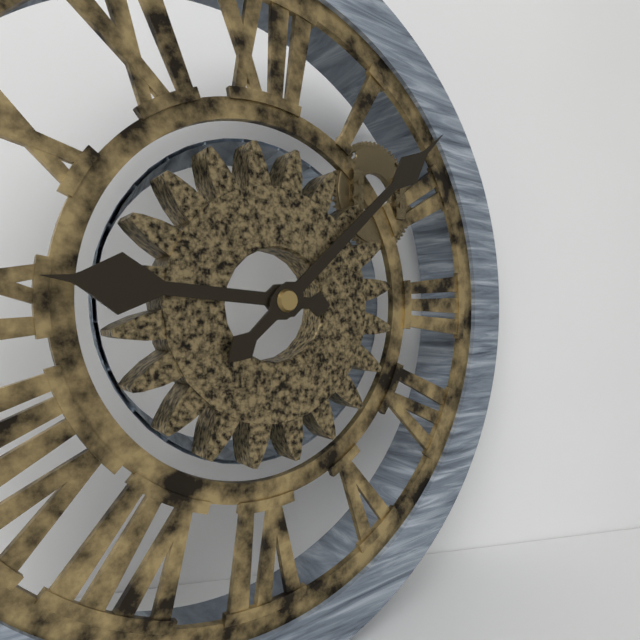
**9:08**
